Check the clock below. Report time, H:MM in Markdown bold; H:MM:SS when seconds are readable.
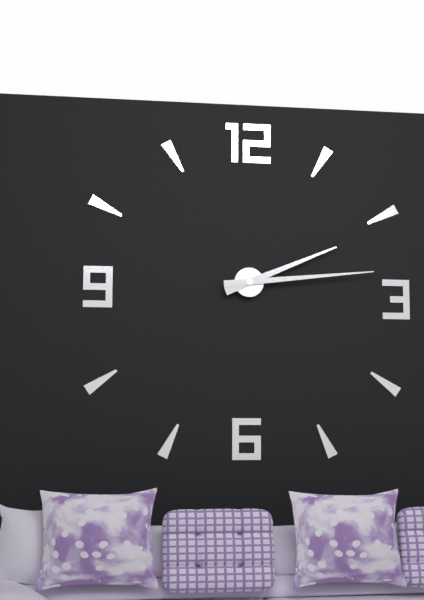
**2:14**
